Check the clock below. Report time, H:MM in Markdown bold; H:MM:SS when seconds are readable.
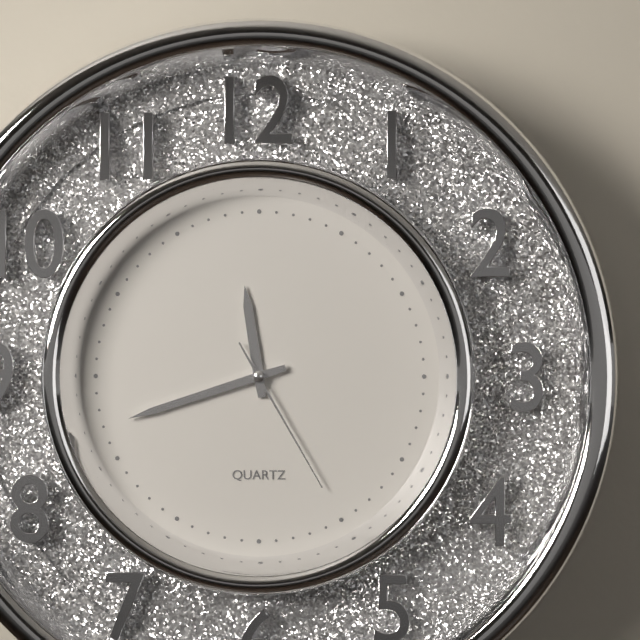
**11:42:25**
